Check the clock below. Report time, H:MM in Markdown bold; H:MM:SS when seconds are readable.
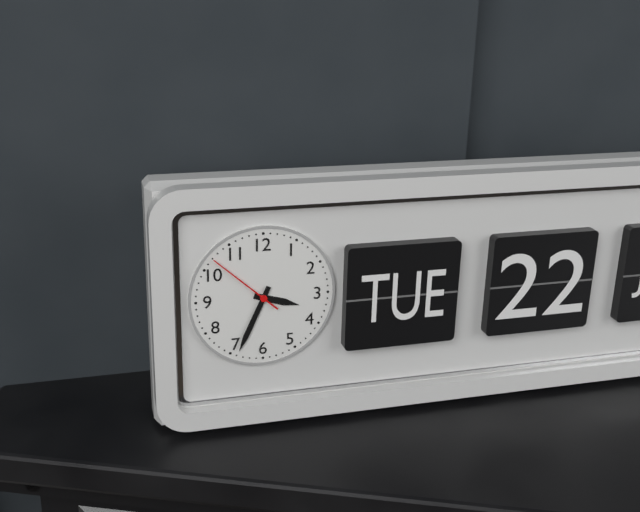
**3:34:52**
